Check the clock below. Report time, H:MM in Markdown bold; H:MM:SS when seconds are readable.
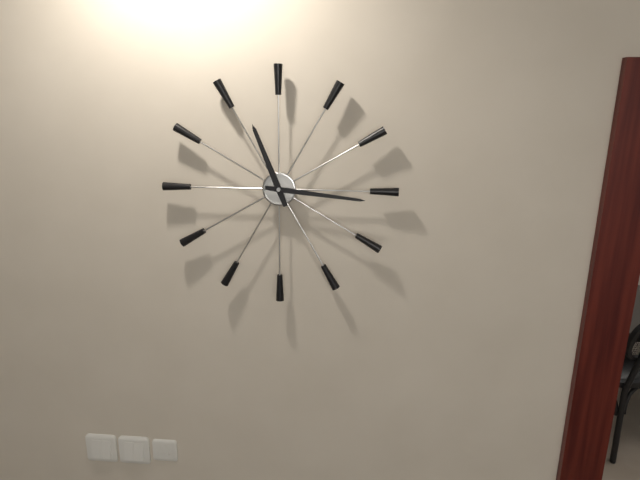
**11:16**
